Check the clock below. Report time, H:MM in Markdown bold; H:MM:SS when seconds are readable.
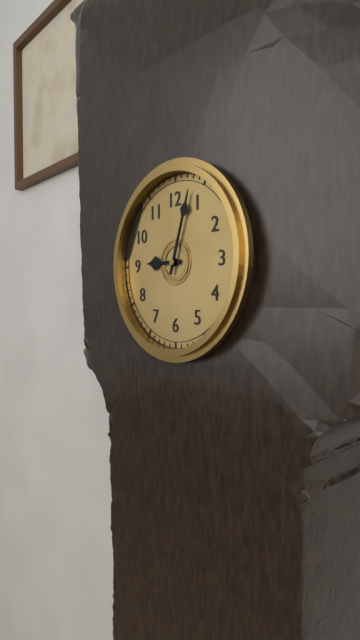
**9:03**
